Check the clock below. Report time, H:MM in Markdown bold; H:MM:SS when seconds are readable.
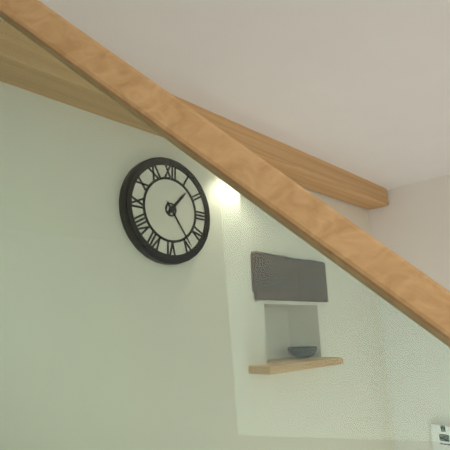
**1:24**
